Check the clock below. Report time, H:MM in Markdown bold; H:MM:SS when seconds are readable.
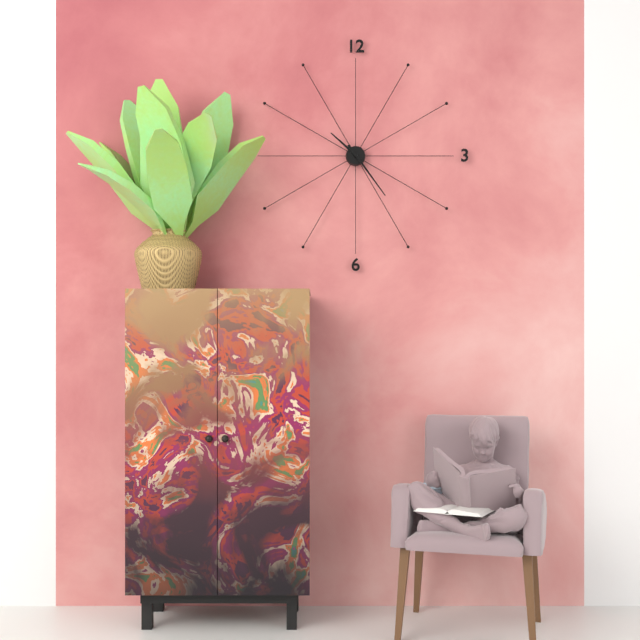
**10:24**
